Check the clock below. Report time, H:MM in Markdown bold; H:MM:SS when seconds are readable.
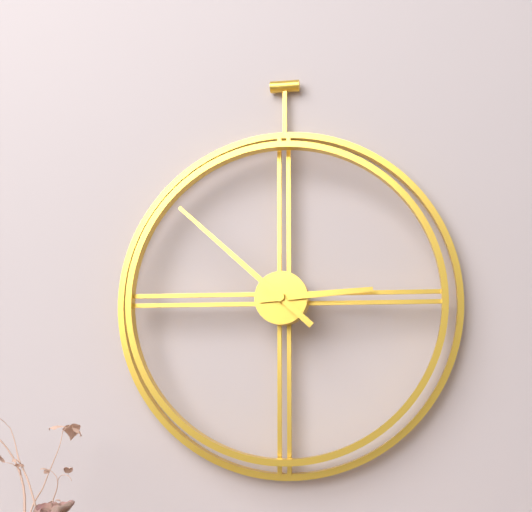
**2:52**
